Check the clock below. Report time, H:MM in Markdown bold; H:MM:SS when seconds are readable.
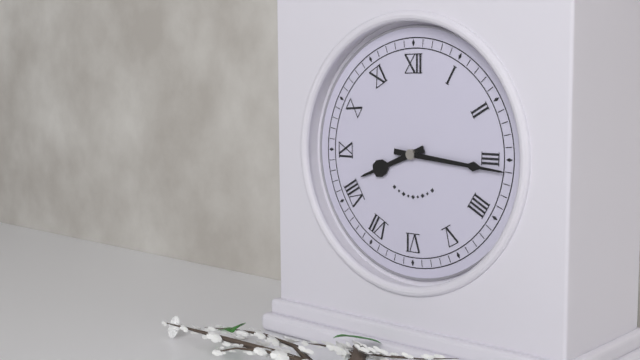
**8:16**
